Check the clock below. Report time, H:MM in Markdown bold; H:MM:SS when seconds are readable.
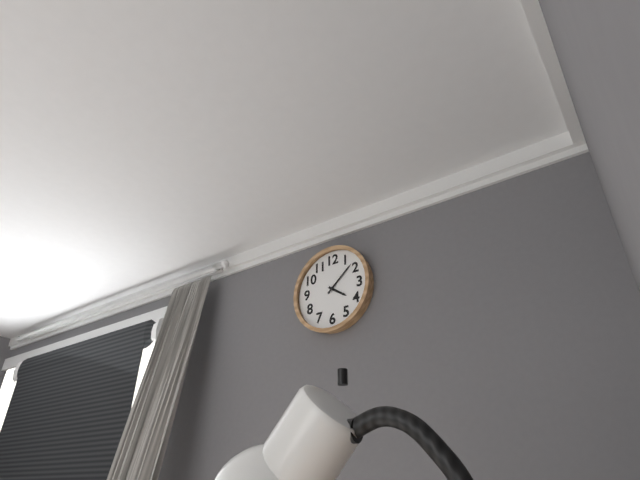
**4:08**
